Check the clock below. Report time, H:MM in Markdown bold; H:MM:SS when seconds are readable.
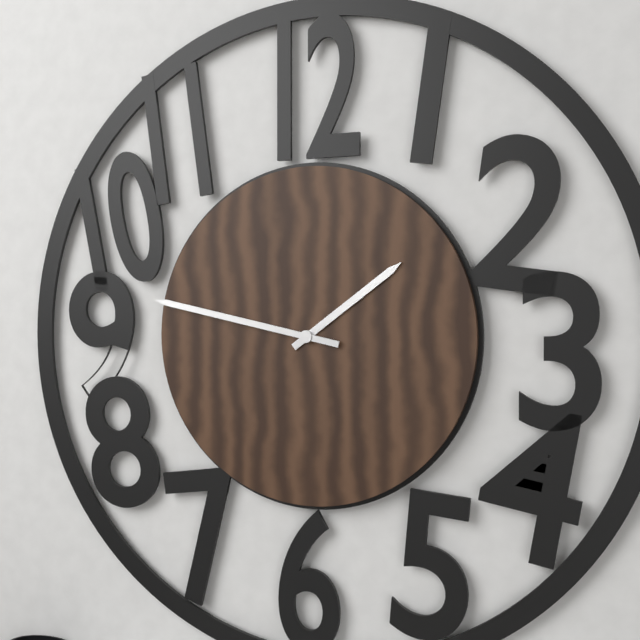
**1:47**
